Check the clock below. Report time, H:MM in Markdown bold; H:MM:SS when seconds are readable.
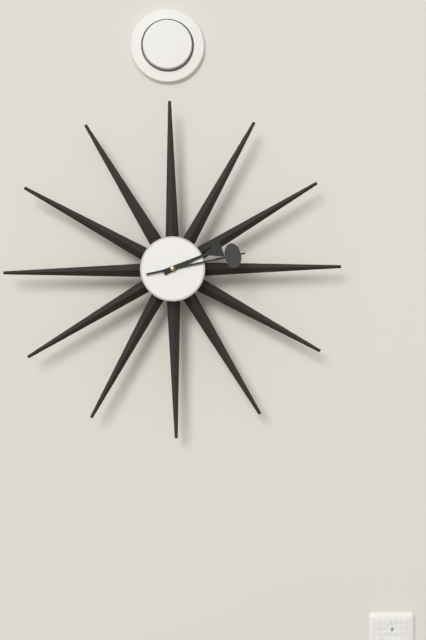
**2:13**
